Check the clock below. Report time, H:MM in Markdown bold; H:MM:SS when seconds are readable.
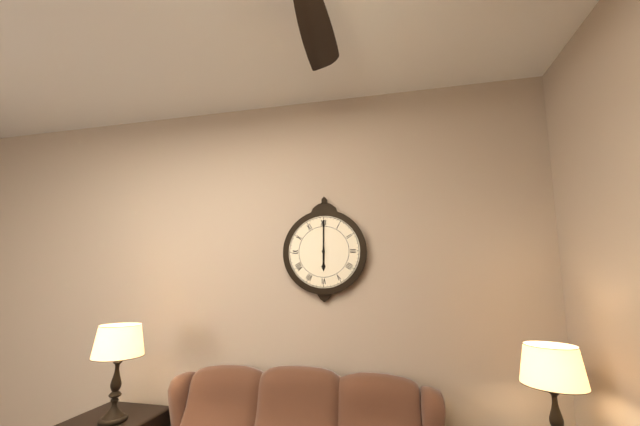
**6:00**
